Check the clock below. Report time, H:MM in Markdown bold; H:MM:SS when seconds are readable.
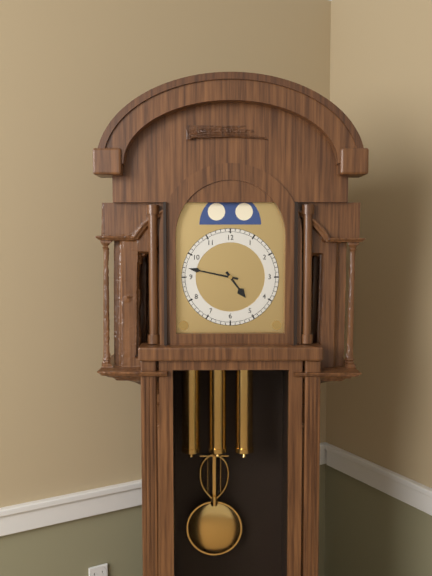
**4:47**
